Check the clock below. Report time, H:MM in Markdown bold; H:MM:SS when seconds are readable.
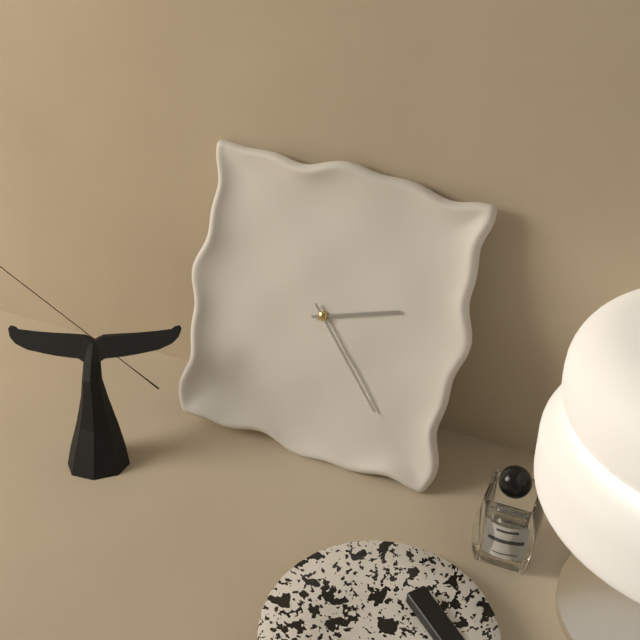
**2:23**
